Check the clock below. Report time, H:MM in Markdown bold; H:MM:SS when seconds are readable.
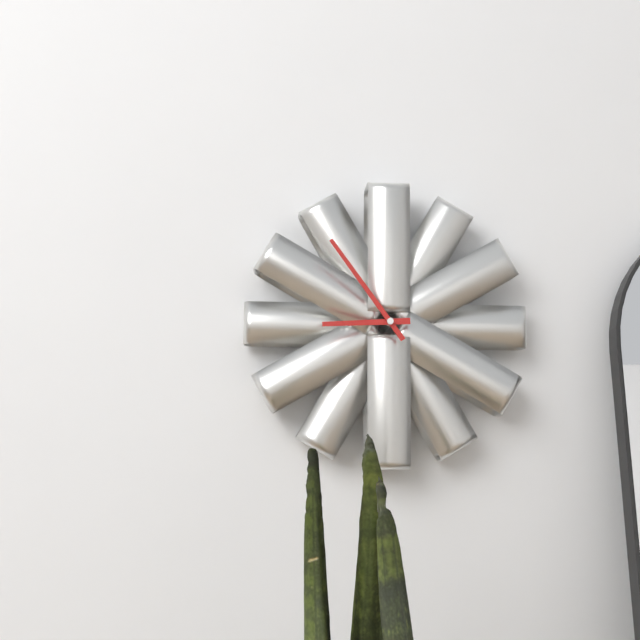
**8:54**
